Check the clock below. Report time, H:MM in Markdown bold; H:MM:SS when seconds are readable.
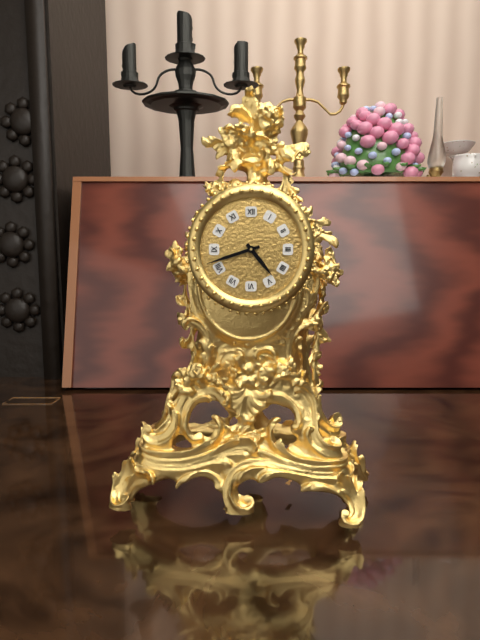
**4:42**
